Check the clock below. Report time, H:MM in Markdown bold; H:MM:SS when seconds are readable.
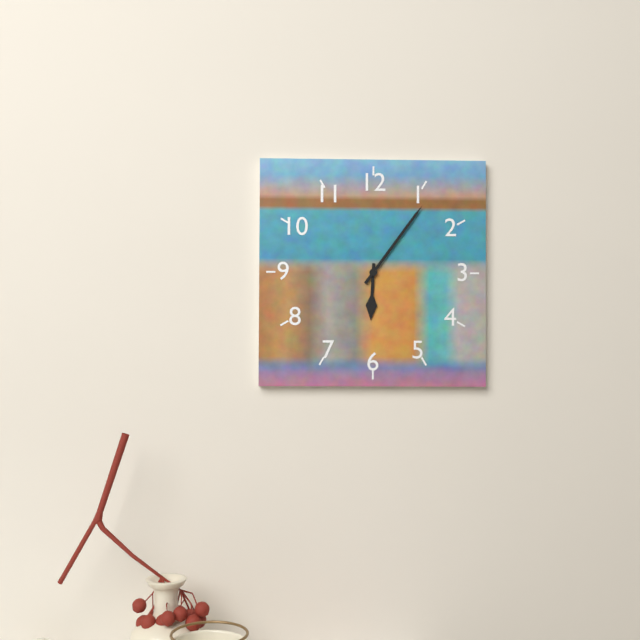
**6:06**
